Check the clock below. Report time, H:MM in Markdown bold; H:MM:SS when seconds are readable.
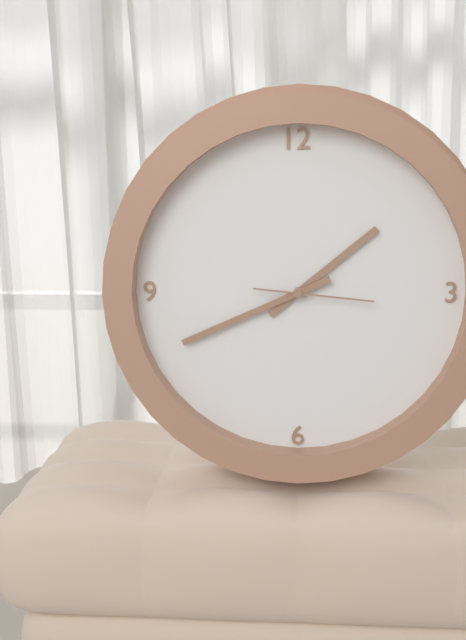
**1:41:16**
